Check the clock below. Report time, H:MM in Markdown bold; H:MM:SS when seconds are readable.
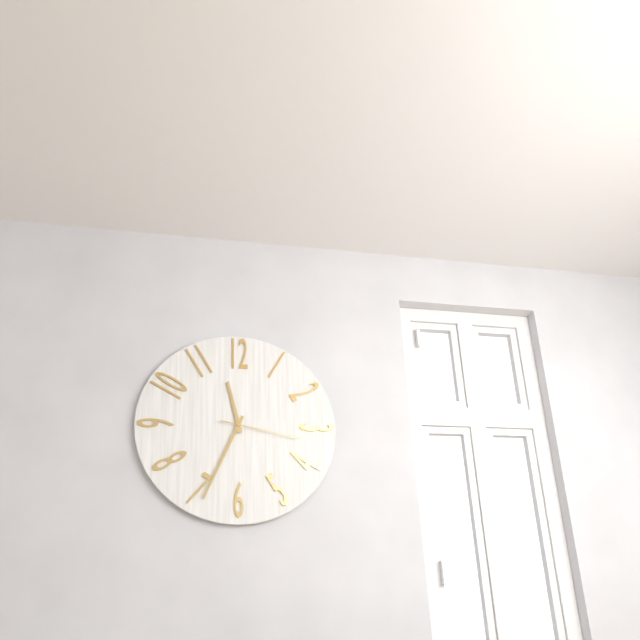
**11:34:17**
